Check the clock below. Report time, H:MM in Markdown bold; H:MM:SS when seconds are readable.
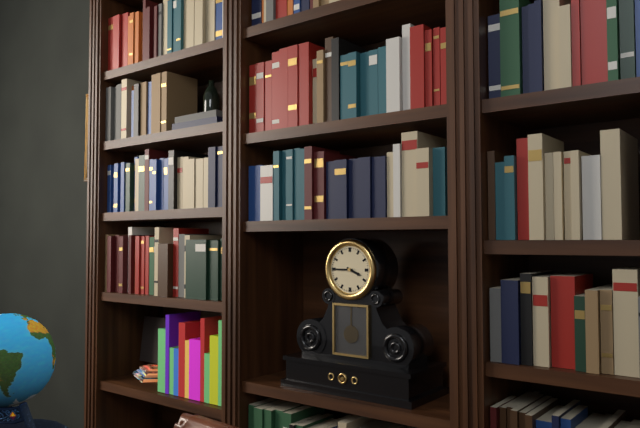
**3:45**
